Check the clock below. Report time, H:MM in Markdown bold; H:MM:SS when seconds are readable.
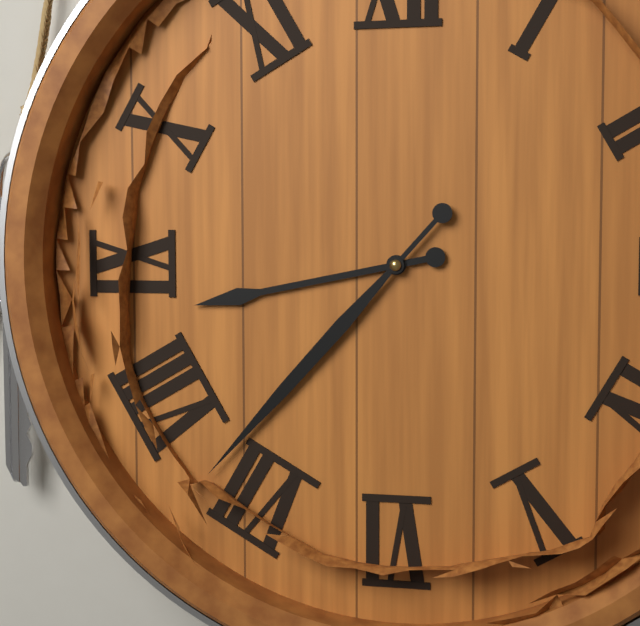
**8:37**
